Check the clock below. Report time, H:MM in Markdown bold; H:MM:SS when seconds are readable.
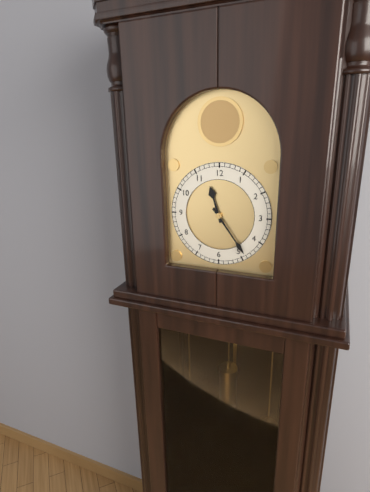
**11:24**
